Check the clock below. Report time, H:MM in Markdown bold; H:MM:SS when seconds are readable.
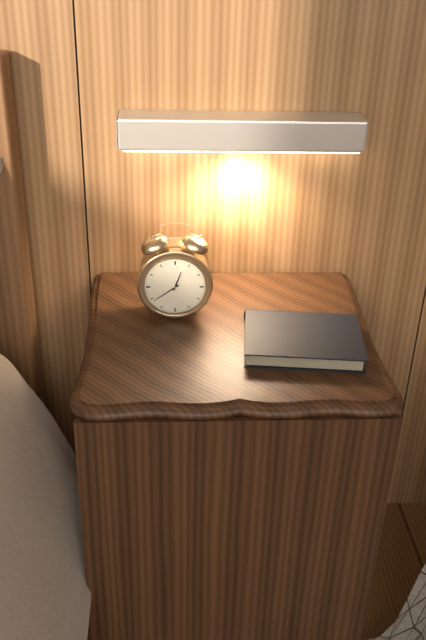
**12:39**
